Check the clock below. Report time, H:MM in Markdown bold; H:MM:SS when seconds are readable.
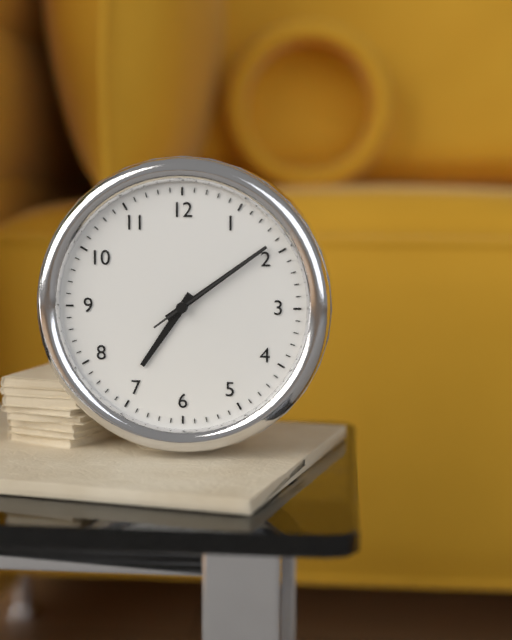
**7:09:09**
